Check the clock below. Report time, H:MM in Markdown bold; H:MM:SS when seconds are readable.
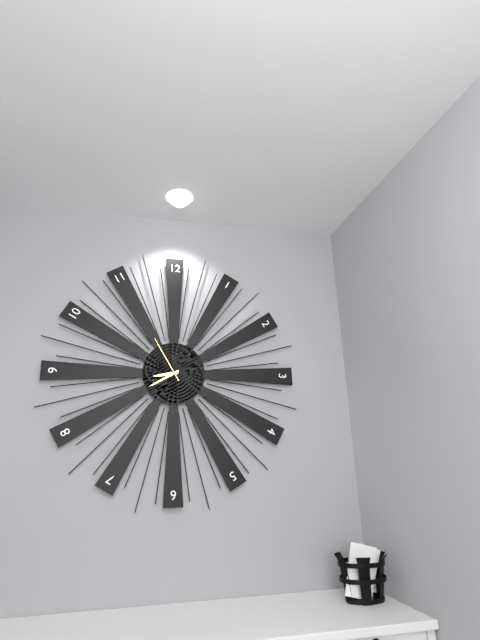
**8:40**
